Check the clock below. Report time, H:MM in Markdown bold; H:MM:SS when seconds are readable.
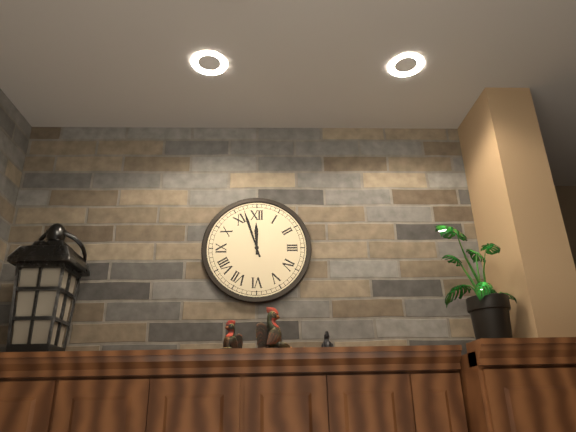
**11:57**
